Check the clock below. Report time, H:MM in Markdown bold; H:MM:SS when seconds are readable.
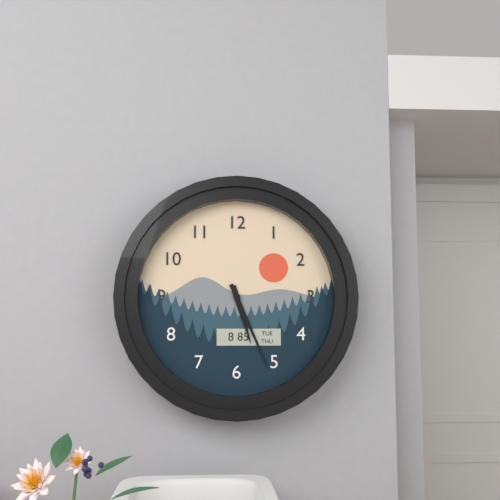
**5:26**
